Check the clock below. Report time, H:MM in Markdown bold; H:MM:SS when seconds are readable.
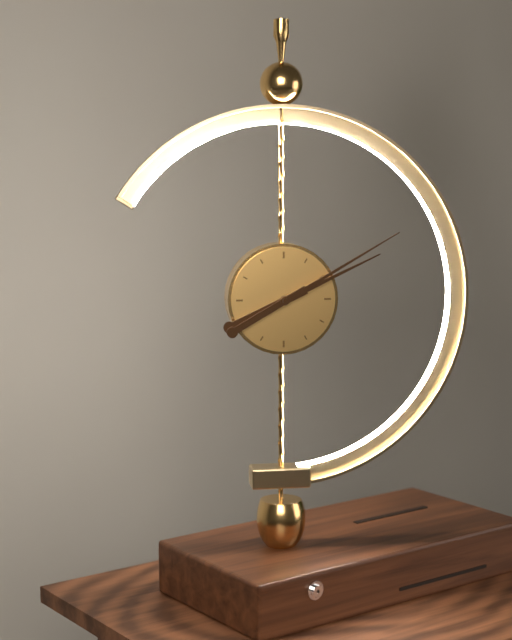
**2:10**
